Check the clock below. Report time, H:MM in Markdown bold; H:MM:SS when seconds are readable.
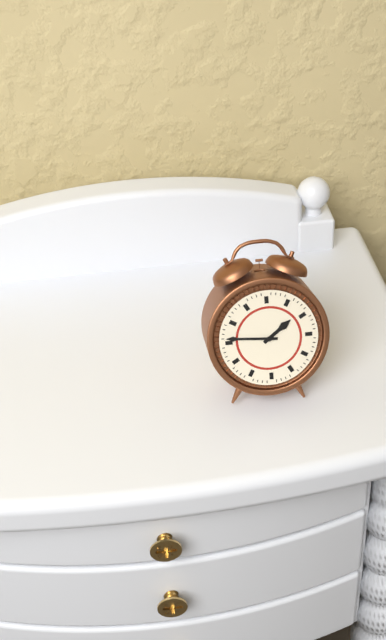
**1:46**
